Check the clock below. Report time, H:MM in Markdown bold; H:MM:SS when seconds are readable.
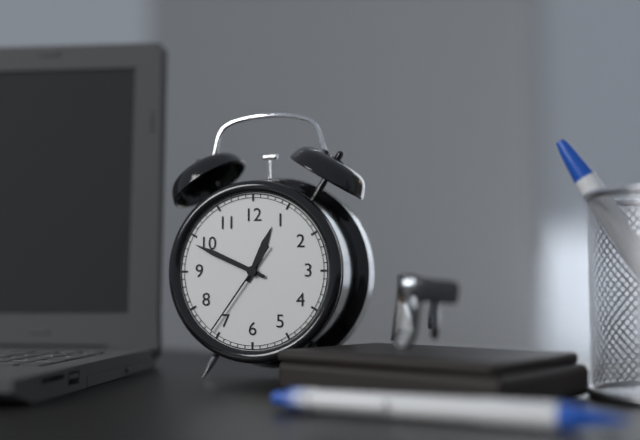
**12:49:36**
